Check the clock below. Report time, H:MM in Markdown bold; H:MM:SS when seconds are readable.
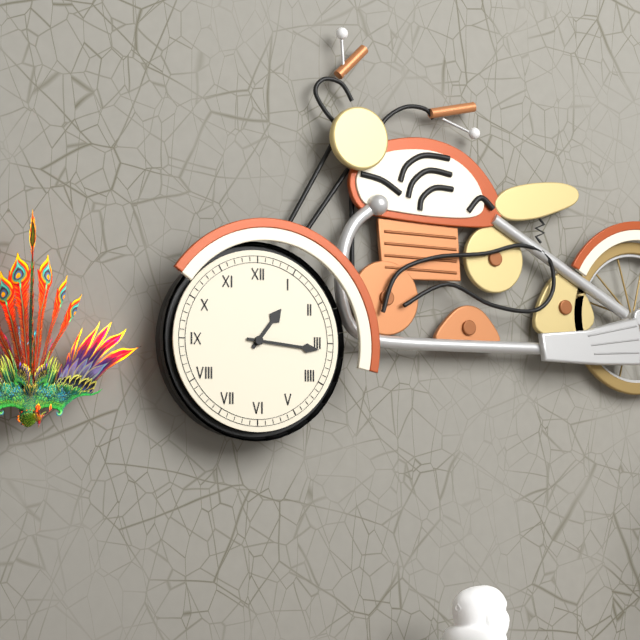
**1:16**
